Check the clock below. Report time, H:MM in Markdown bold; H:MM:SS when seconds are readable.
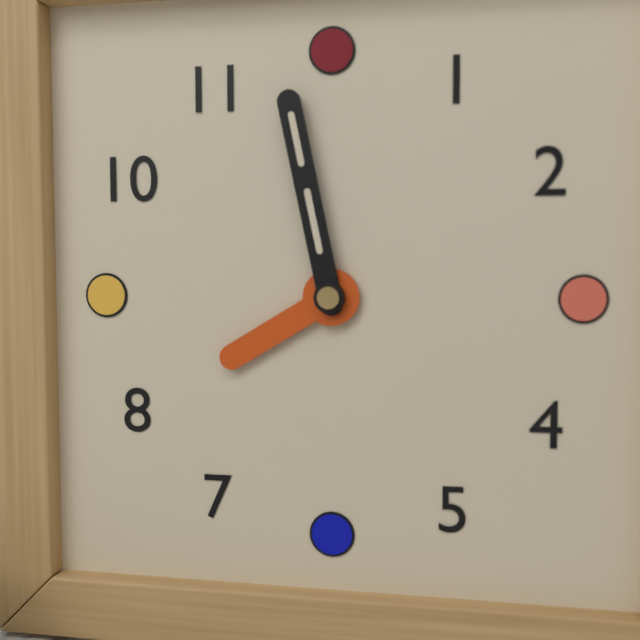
**7:58**
